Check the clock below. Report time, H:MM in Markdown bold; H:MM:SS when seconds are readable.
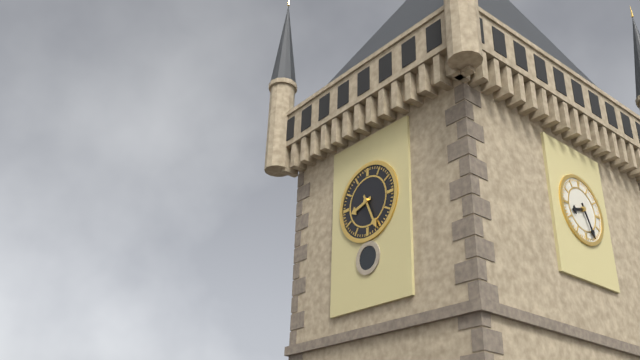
**8:26**
